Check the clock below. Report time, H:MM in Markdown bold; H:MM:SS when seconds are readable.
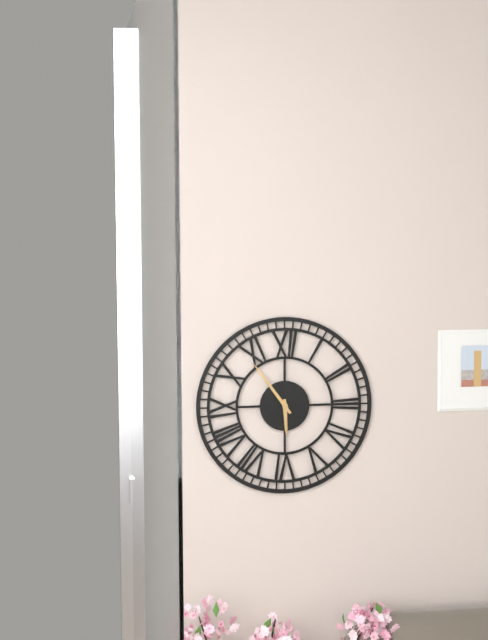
**5:54**
